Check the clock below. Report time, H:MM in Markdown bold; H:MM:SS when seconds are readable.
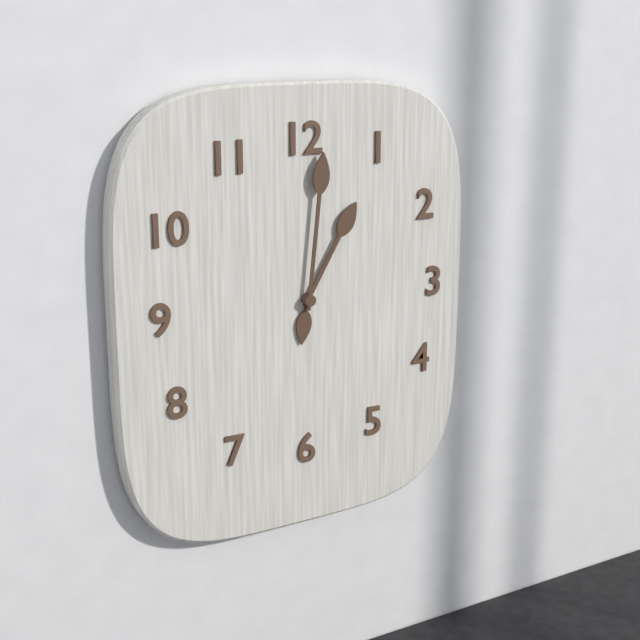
**1:01**
